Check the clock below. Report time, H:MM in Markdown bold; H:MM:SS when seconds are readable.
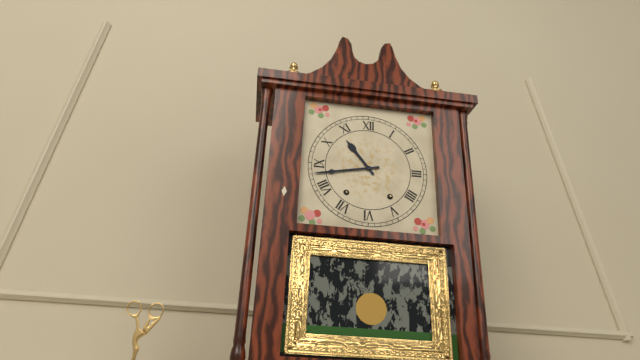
**10:43**
